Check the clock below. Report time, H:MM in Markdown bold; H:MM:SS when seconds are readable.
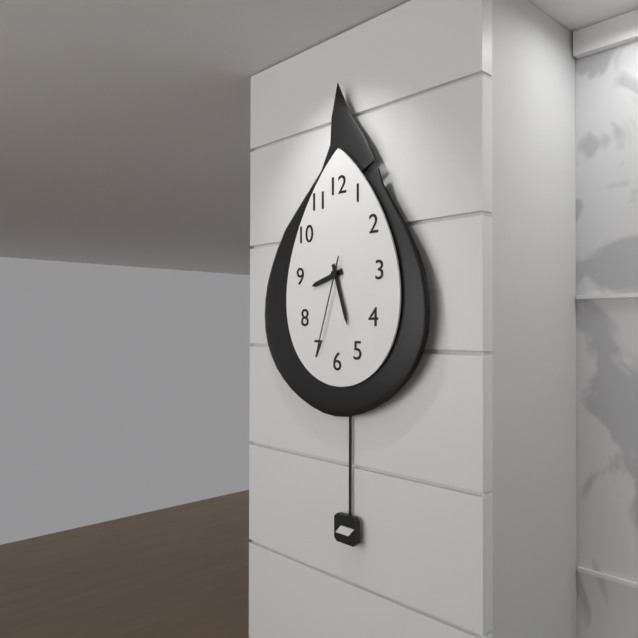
**8:27:33**
